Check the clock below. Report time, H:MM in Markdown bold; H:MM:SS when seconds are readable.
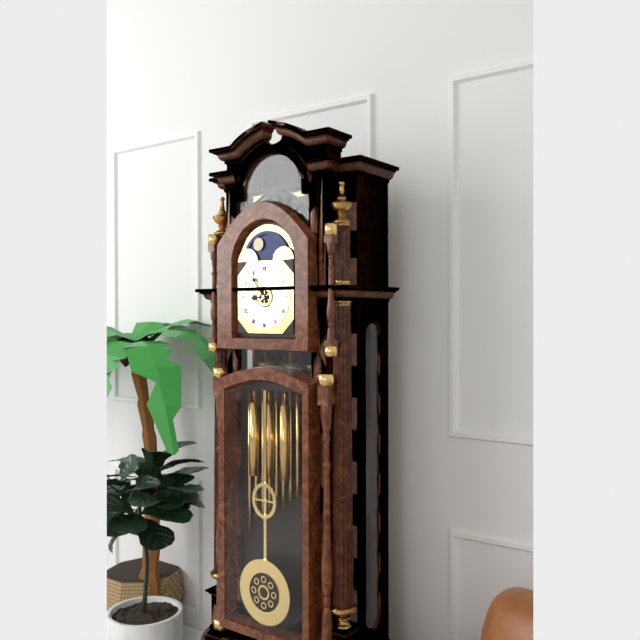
**8:54**
